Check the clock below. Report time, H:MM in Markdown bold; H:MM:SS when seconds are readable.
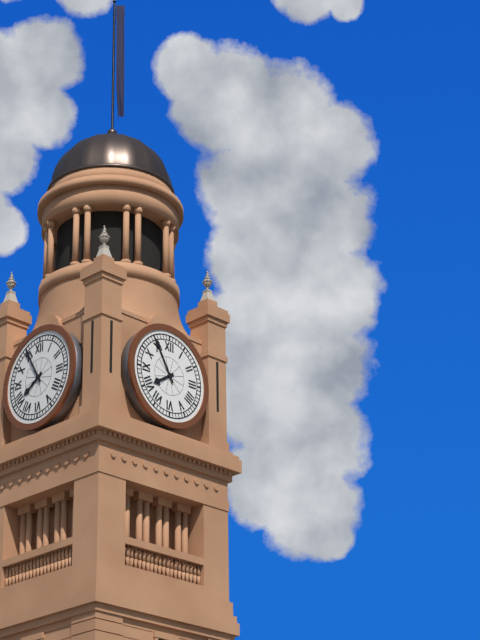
**7:55**
